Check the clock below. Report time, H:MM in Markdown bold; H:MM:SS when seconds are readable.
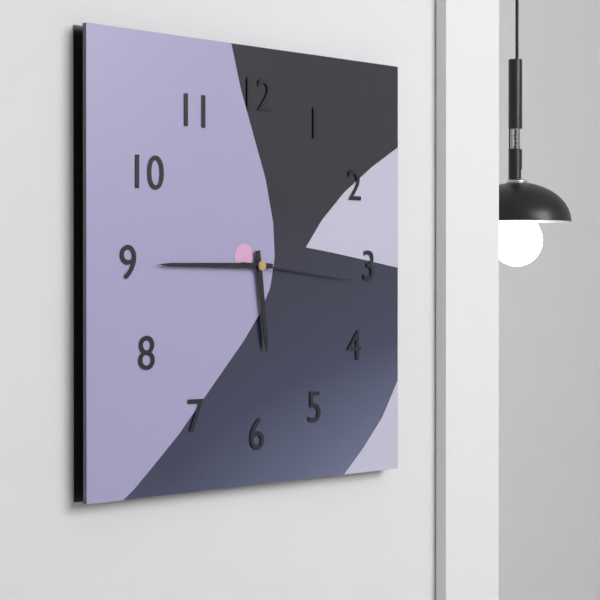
**5:45:16**
